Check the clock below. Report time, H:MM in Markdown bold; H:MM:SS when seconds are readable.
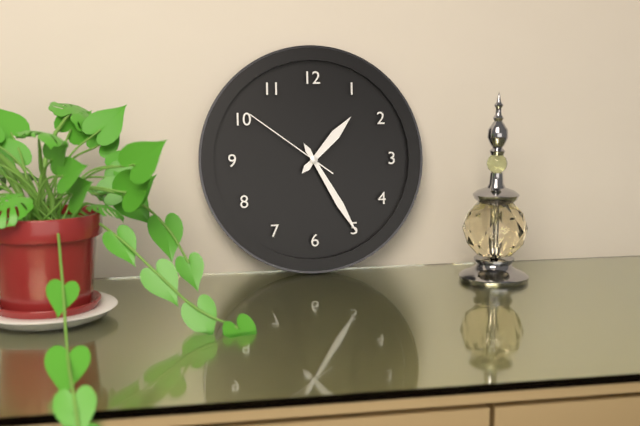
**1:25:51**
